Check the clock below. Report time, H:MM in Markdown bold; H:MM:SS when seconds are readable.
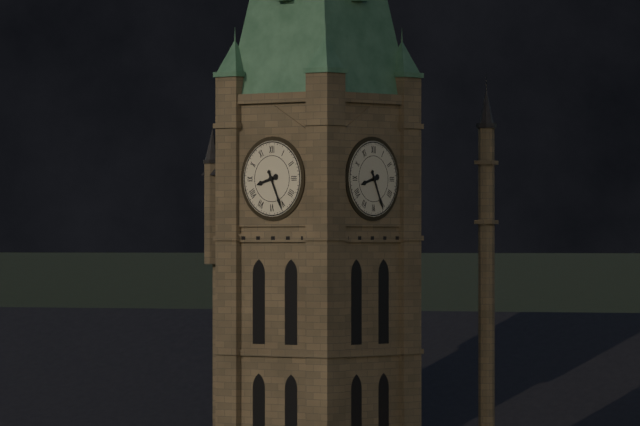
**8:26**
